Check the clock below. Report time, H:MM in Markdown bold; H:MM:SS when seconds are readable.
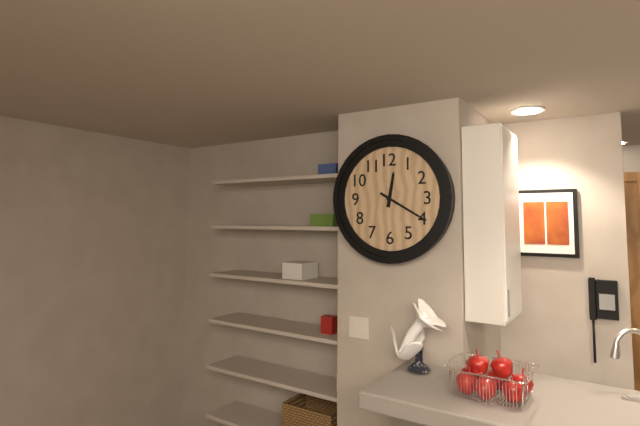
**12:20**
